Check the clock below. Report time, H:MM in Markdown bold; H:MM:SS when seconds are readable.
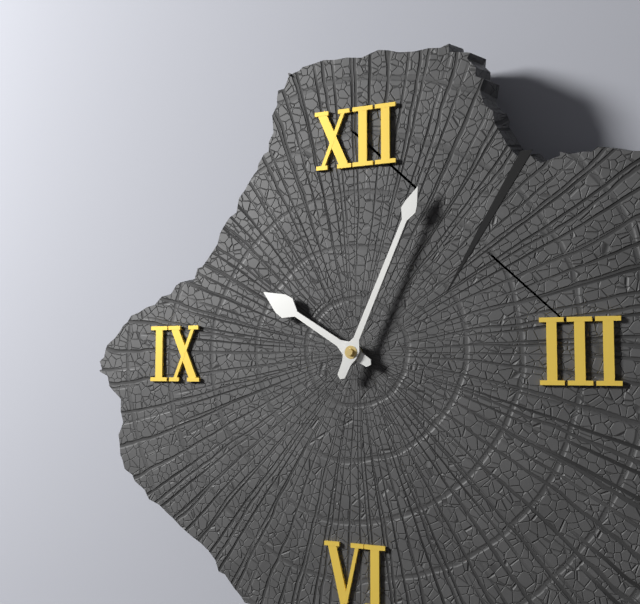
**10:04**
